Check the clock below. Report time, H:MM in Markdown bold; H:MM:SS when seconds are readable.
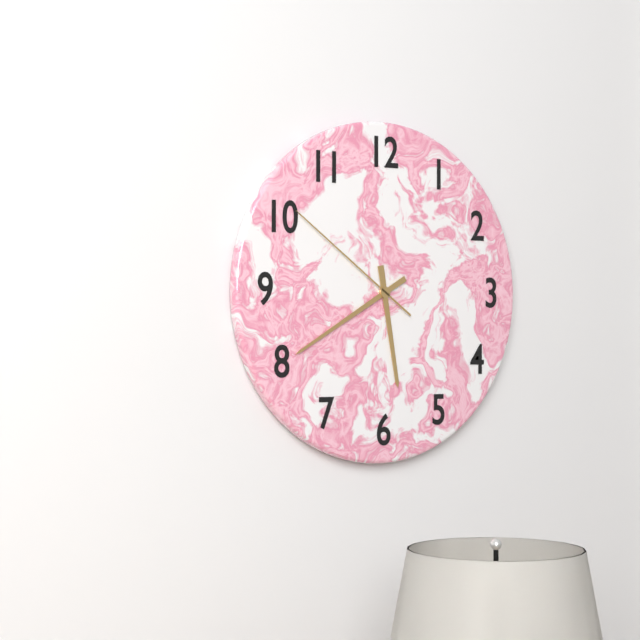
**5:40:51**
